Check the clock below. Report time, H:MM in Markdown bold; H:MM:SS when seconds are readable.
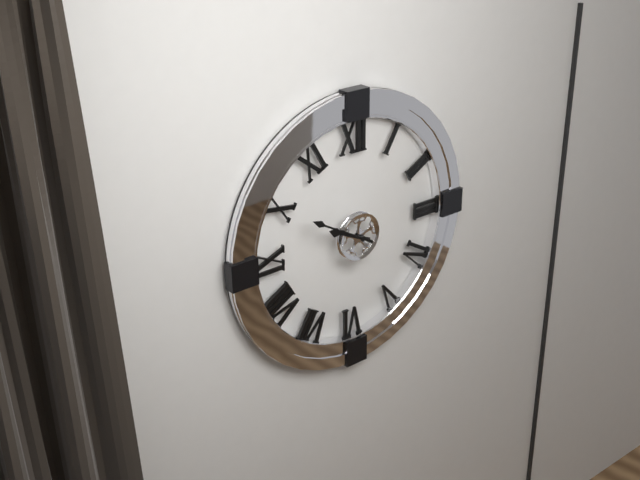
**9:50**
